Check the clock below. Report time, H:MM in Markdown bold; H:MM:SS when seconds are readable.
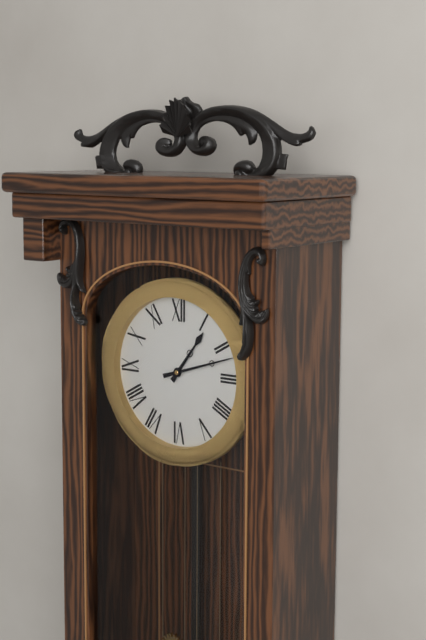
**1:12**
